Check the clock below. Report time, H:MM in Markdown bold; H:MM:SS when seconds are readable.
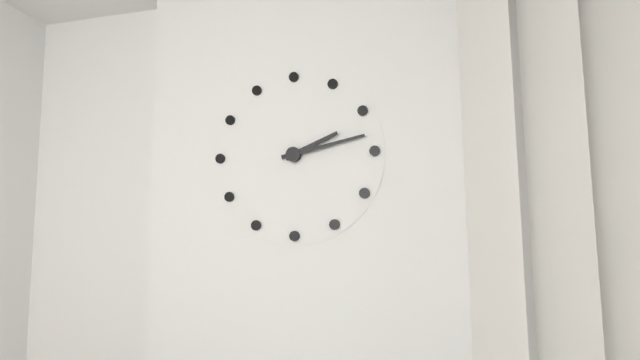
**2:13**
